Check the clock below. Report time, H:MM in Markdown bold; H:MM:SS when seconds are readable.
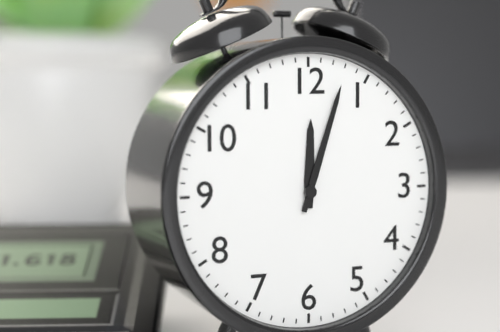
**12:03**
